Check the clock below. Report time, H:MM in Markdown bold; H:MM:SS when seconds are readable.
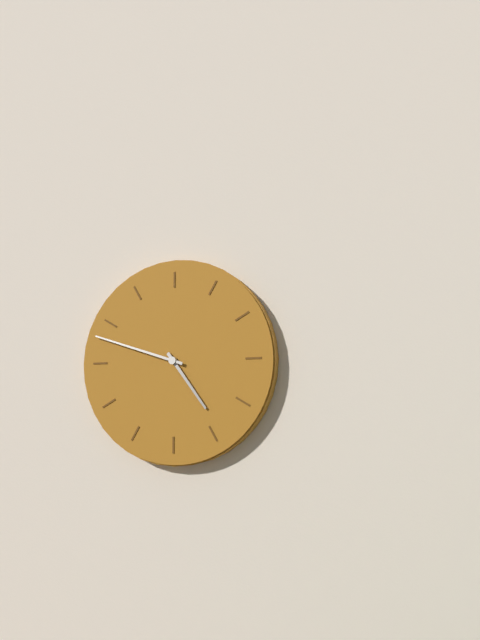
**4:48**
